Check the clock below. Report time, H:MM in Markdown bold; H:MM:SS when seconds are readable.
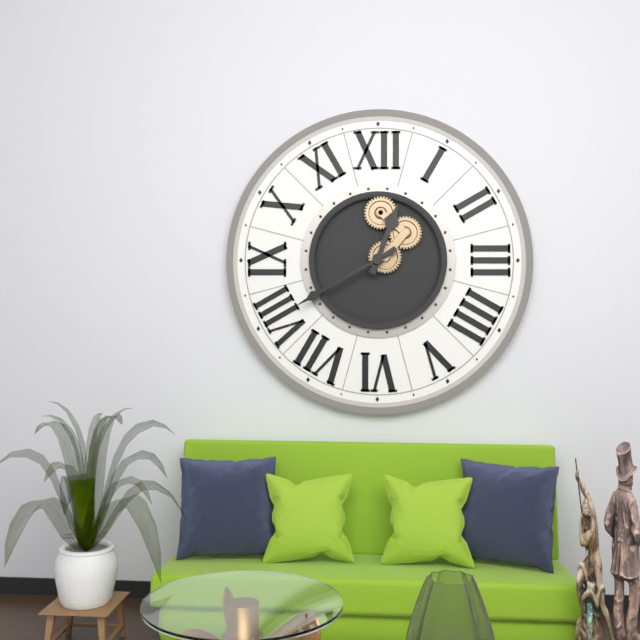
**12:40**
